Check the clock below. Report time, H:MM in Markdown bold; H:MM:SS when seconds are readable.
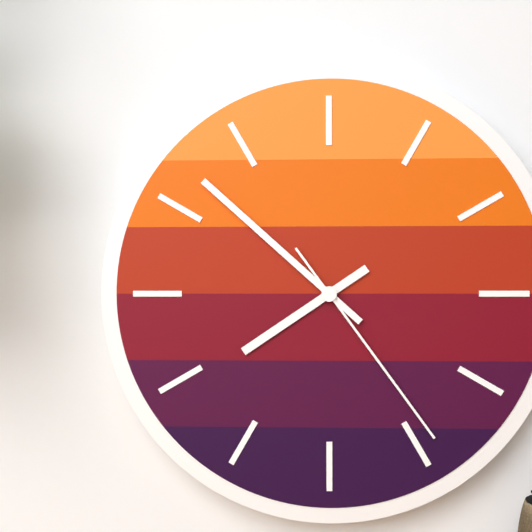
**7:52:24**
